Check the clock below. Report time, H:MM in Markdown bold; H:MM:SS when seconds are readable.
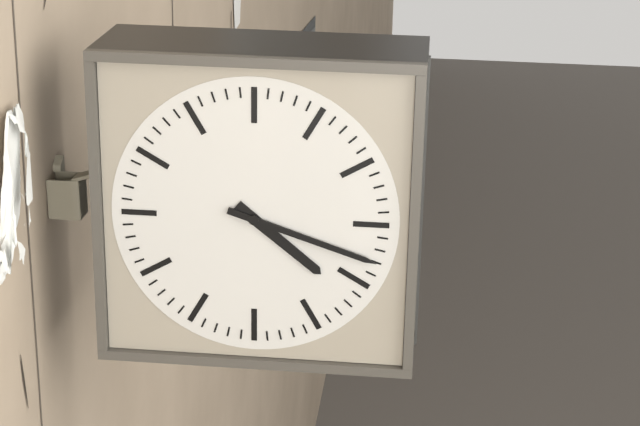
**4:18**
